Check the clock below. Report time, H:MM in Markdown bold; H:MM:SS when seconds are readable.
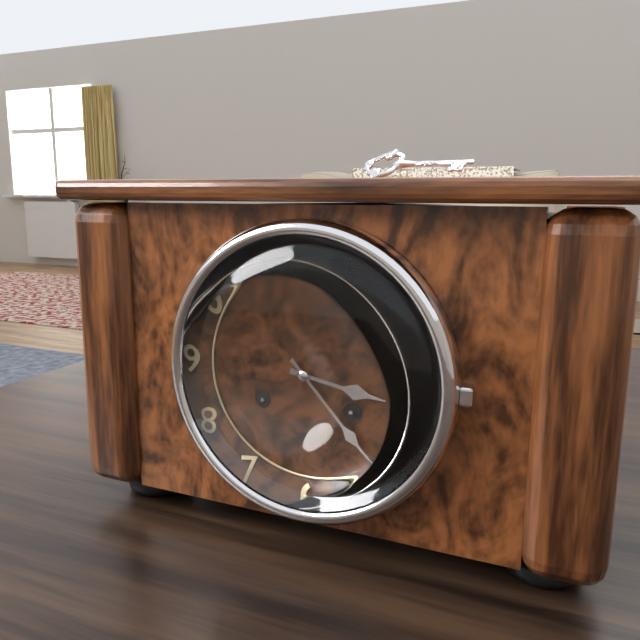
**3:23**
